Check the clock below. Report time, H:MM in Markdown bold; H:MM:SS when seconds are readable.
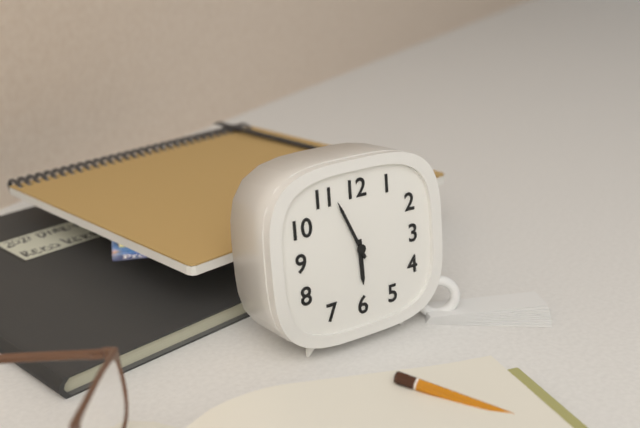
**5:56**
